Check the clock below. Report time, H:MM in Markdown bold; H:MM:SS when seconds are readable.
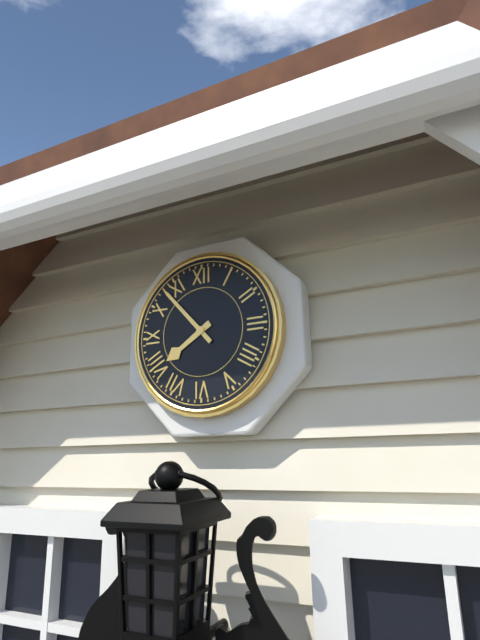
**7:53**
